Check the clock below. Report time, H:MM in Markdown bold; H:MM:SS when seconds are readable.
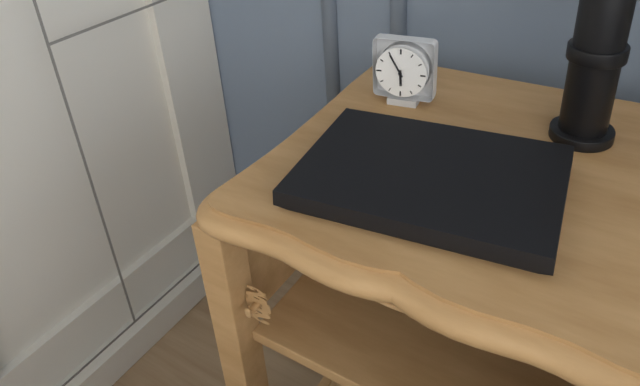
**5:55**
